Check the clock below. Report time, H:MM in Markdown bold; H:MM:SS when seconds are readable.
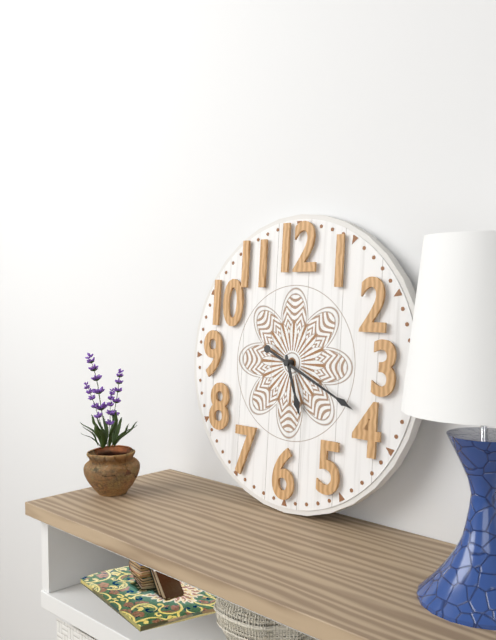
**5:19**
